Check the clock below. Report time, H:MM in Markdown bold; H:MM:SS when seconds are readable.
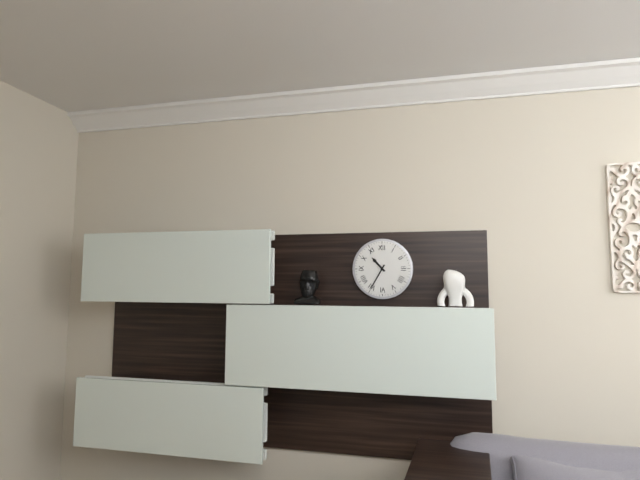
**10:35**
